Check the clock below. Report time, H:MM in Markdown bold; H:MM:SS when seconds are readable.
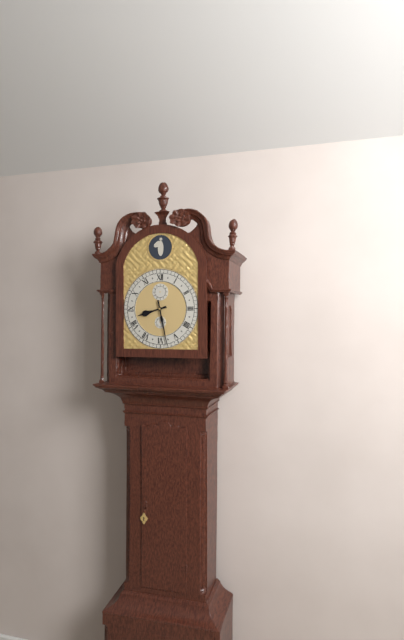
**8:28**
